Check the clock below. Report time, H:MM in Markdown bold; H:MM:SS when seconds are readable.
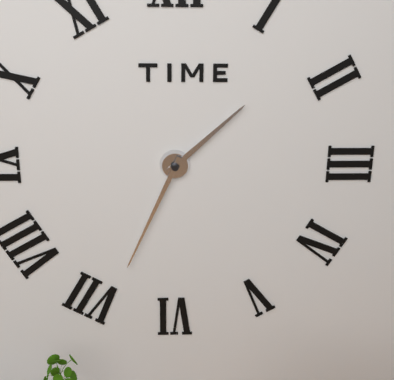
**1:34**
